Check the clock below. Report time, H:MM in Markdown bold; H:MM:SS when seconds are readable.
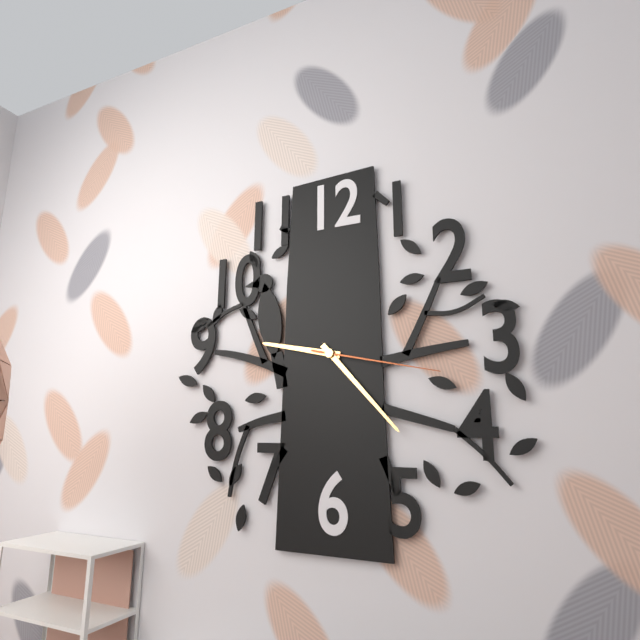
**9:23:17**
